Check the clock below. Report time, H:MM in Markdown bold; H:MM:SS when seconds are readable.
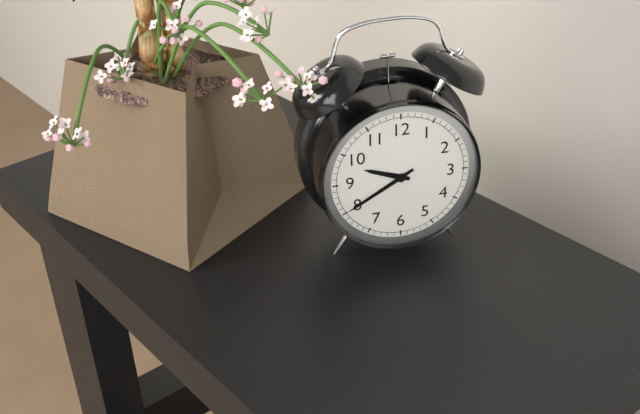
**9:40**
